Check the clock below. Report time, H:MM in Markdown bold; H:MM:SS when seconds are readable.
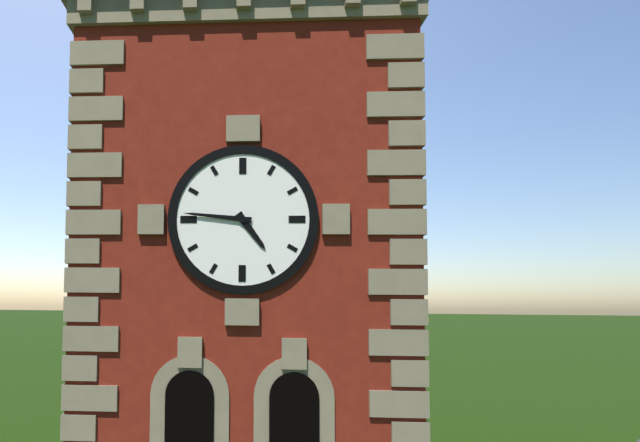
**4:46**
